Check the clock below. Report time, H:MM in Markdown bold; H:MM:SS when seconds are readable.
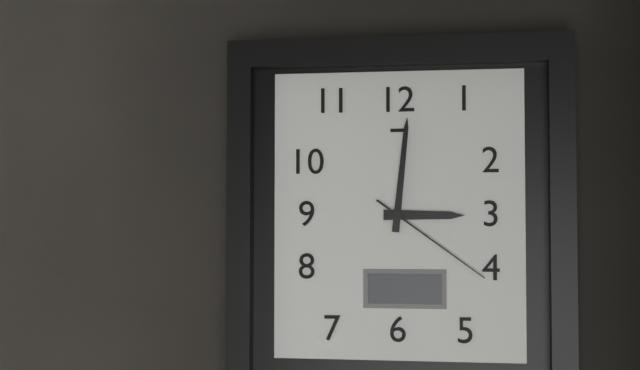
**3:01:21**
